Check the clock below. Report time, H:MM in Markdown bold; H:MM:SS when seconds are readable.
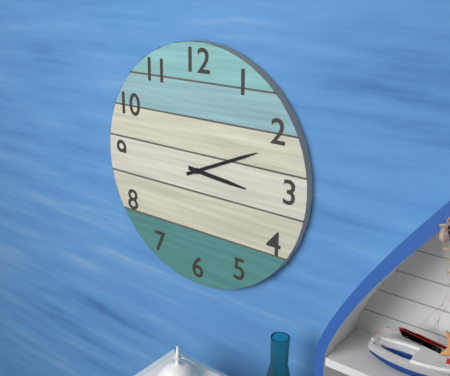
**3:11**
